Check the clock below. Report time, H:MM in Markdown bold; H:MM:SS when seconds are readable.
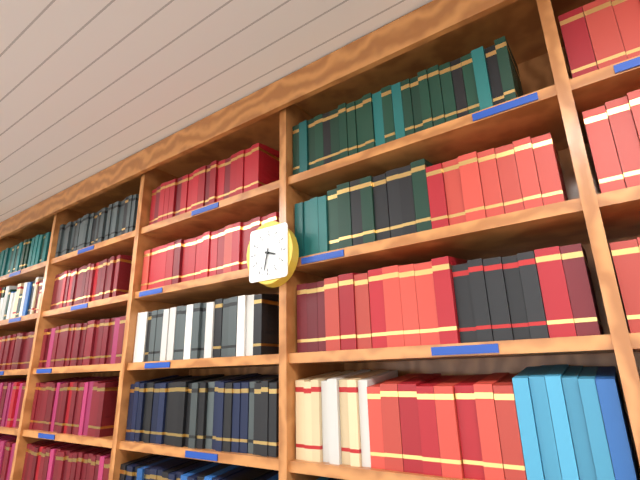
**3:32**
